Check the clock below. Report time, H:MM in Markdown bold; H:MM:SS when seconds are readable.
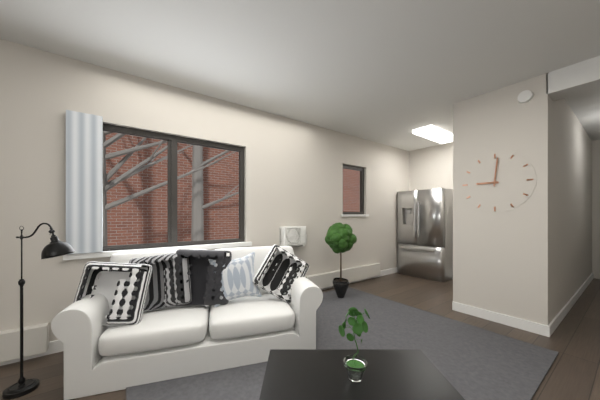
**9:01**
